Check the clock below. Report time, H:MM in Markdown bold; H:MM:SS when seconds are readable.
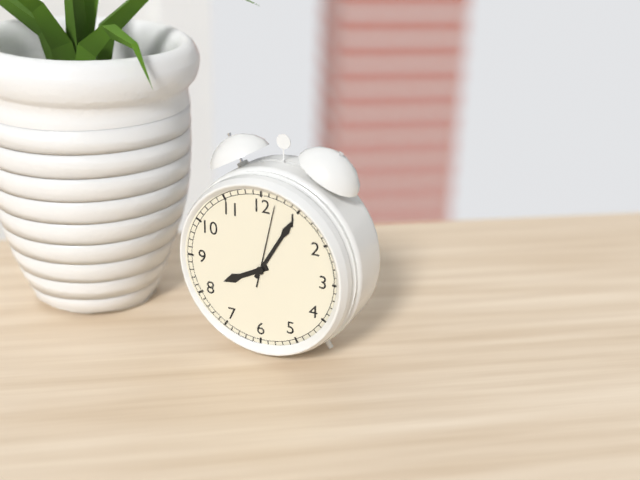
**8:05:02**
